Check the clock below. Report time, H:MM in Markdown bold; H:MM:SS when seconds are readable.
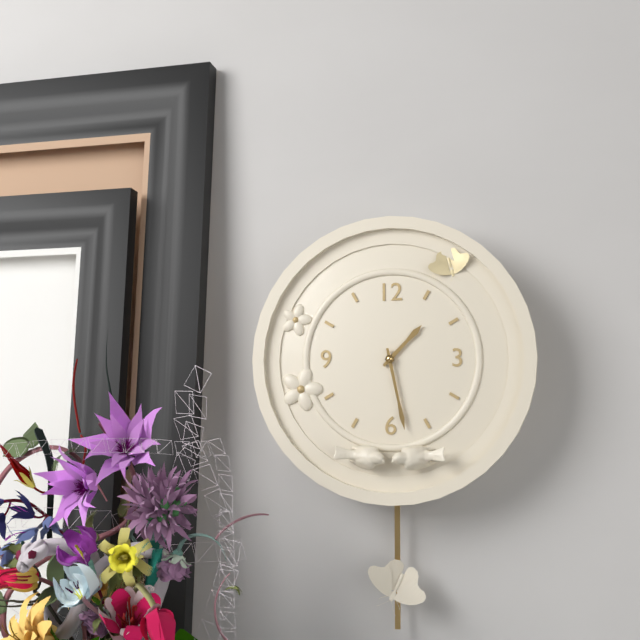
**1:28**
